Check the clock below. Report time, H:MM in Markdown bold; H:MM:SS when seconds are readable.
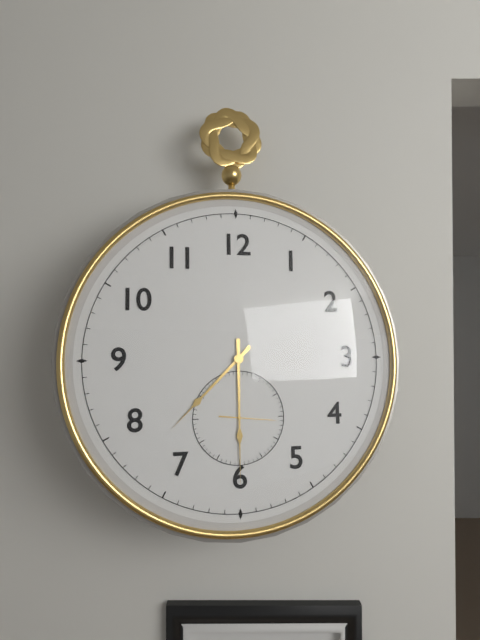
**7:30**
